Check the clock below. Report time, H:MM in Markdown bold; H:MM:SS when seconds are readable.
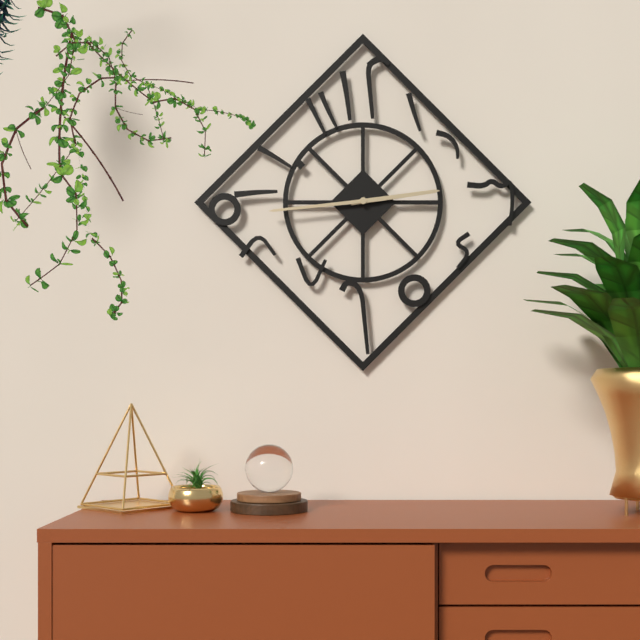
**2:44**
